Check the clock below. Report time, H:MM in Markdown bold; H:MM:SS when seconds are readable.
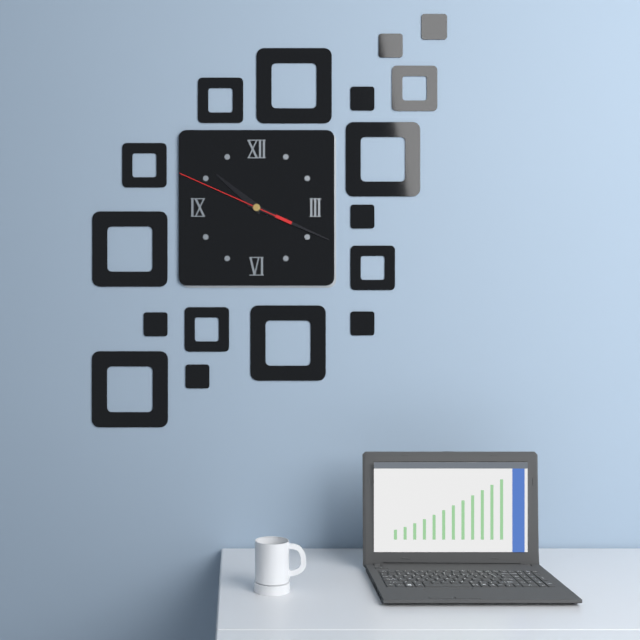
**10:19:49**
